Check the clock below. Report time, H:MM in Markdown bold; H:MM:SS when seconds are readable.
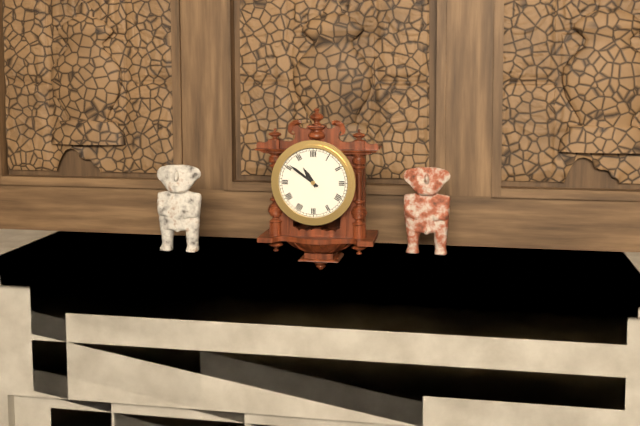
**10:51**
